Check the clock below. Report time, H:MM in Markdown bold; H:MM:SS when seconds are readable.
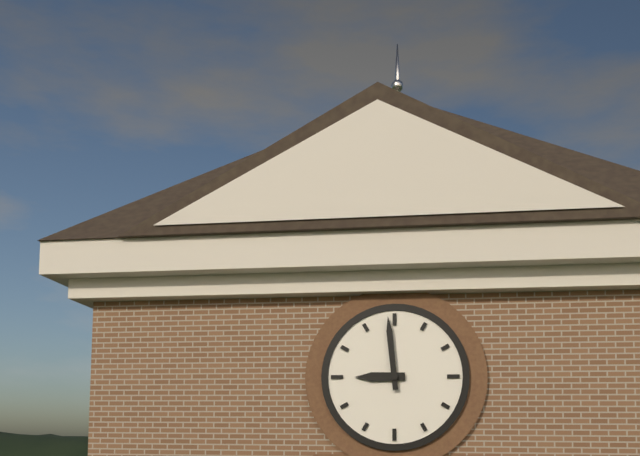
**8:59**
